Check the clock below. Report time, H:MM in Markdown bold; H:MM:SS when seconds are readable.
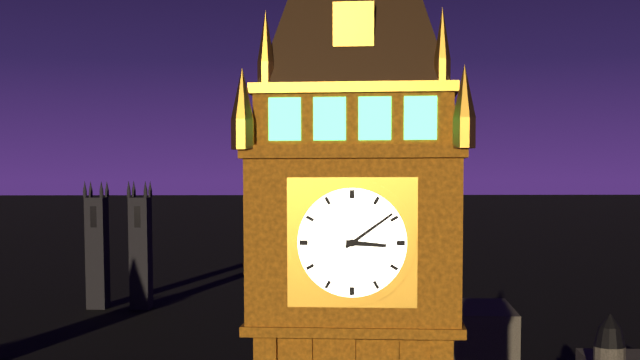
**3:09**
